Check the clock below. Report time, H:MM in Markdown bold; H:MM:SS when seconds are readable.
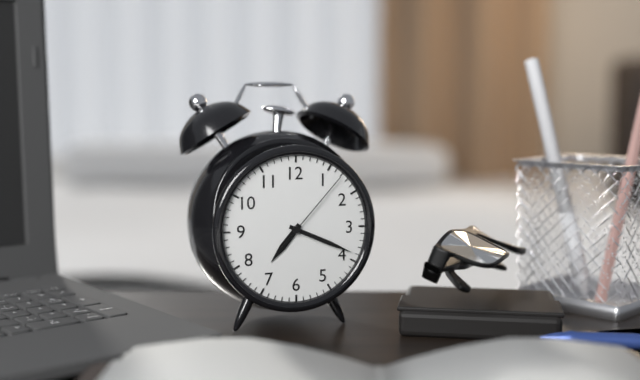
**7:19:07**
